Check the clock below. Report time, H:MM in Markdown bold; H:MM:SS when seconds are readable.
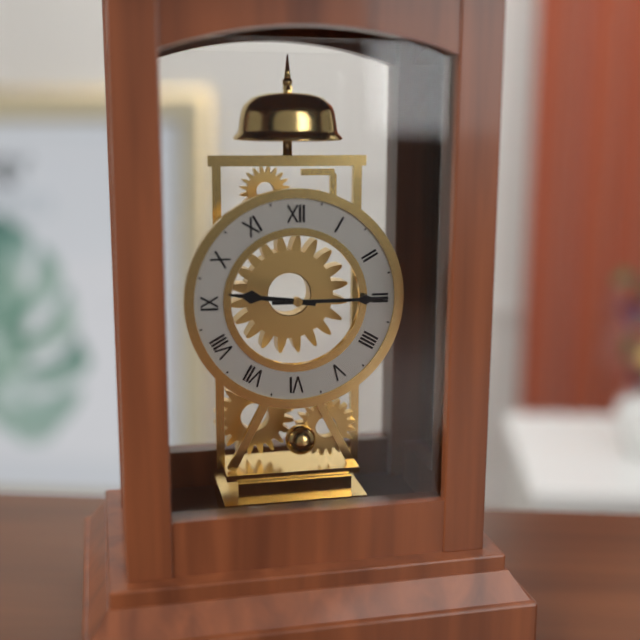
**9:15**
